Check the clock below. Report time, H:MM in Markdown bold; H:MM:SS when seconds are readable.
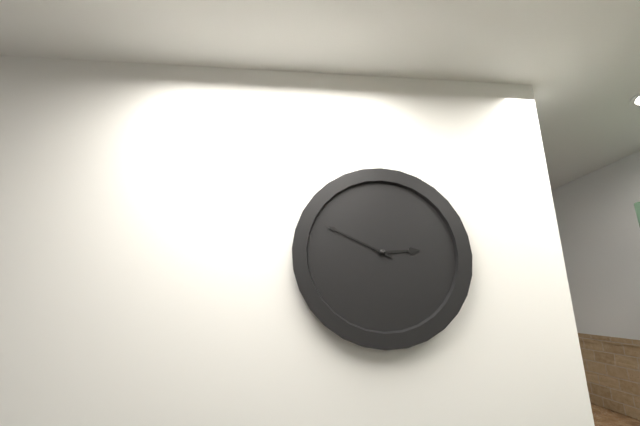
**2:49**
